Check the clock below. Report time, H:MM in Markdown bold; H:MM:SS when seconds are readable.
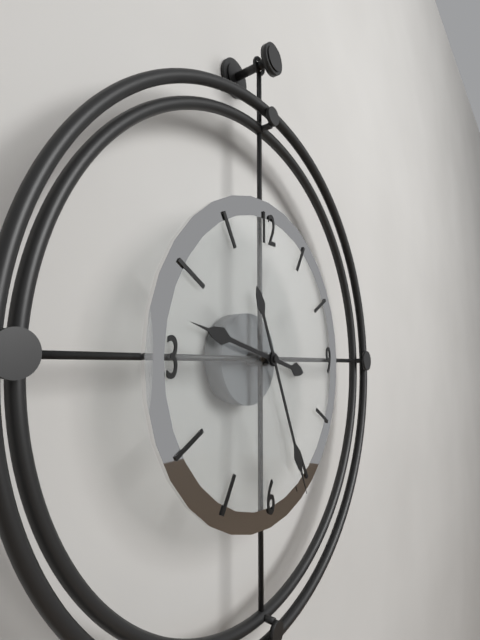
**9:26**
